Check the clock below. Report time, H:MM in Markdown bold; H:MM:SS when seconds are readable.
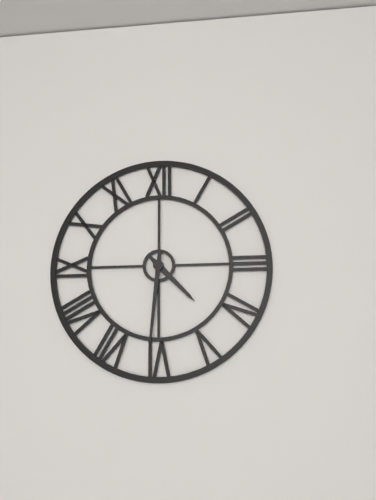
**4:31**
